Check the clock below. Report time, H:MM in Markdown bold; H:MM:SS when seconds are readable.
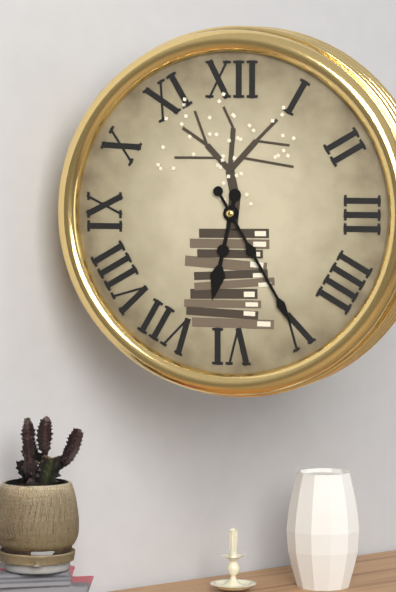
**6:25**
